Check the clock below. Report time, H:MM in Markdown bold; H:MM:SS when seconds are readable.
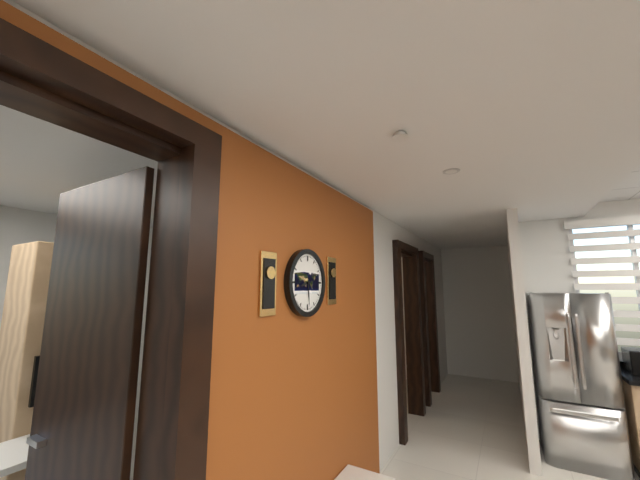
**8:29**
